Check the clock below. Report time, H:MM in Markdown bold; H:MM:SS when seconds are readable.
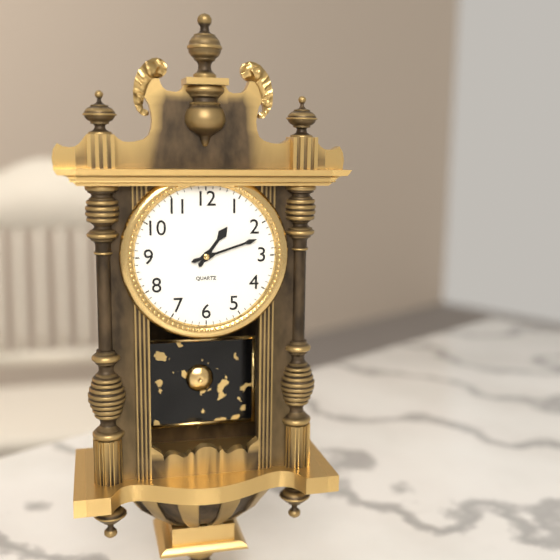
**1:12**
